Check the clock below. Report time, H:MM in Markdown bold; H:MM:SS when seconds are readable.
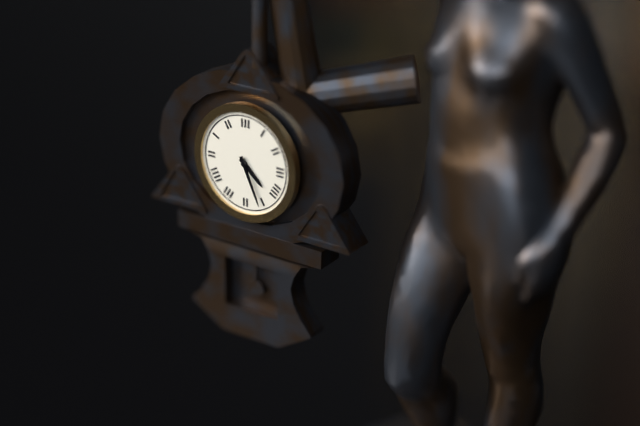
**4:26**
